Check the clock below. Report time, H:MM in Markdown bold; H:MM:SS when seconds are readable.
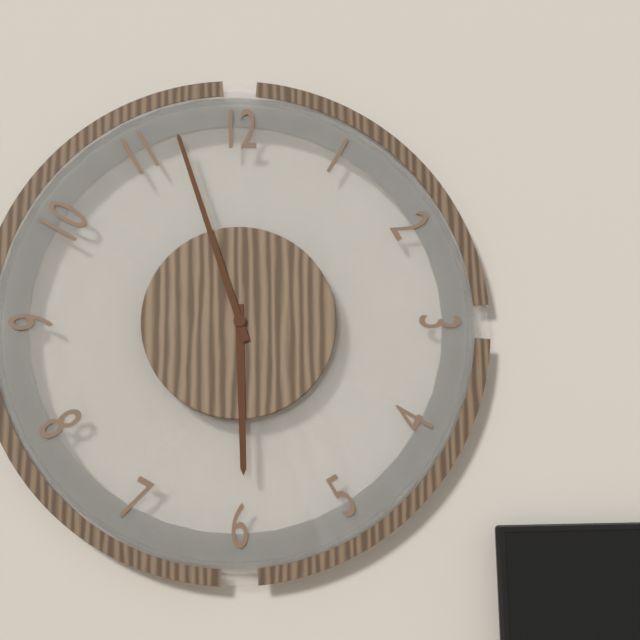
**5:57**
